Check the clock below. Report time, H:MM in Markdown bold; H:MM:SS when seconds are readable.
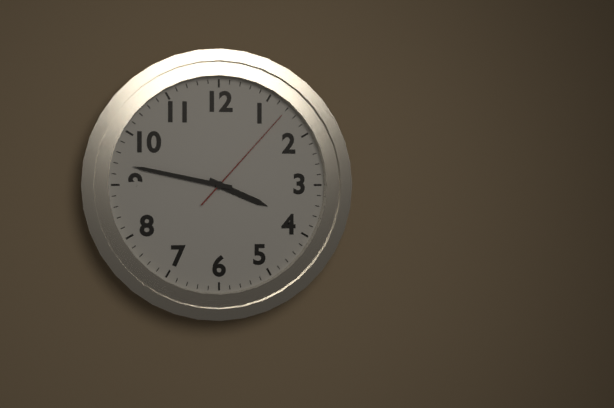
**3:47:07**
